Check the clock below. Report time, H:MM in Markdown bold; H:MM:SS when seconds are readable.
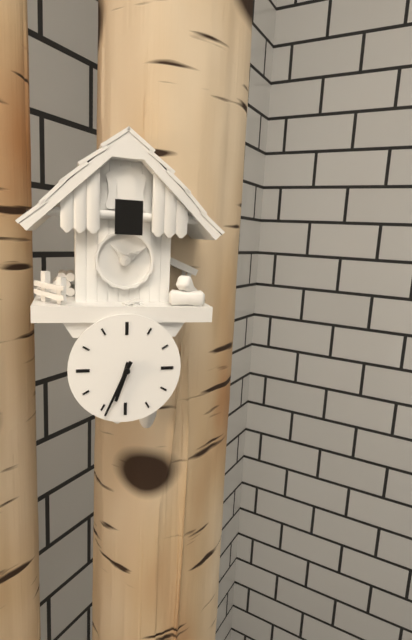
**6:34**
